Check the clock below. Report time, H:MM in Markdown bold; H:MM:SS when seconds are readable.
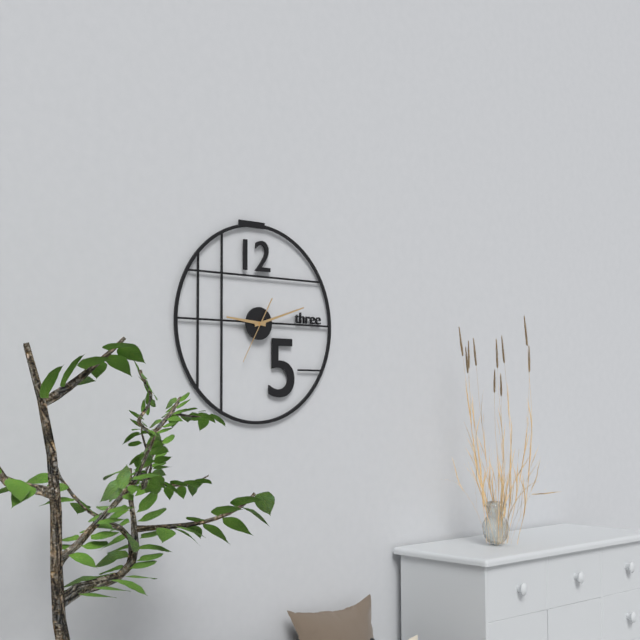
**9:12:35**
